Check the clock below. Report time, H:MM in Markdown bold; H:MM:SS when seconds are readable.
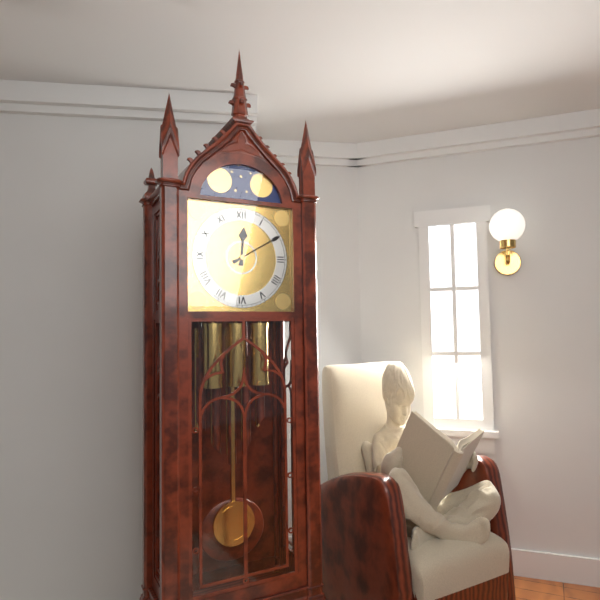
**12:10**
